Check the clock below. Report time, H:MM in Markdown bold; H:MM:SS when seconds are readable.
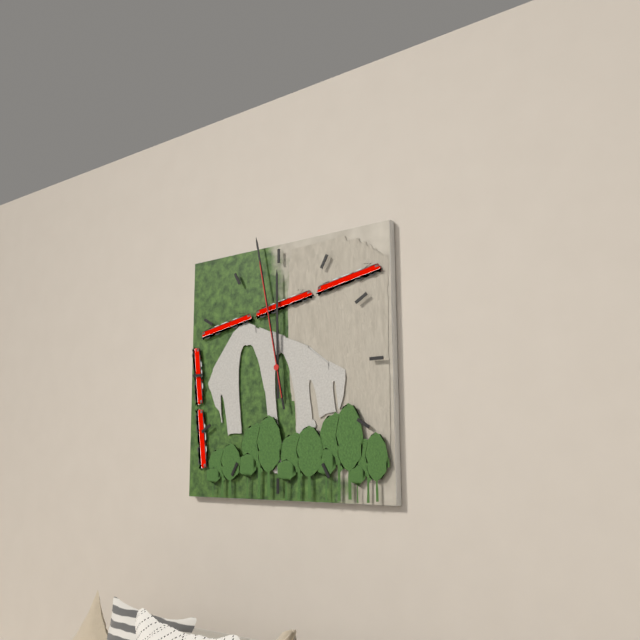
**11:58:58**
